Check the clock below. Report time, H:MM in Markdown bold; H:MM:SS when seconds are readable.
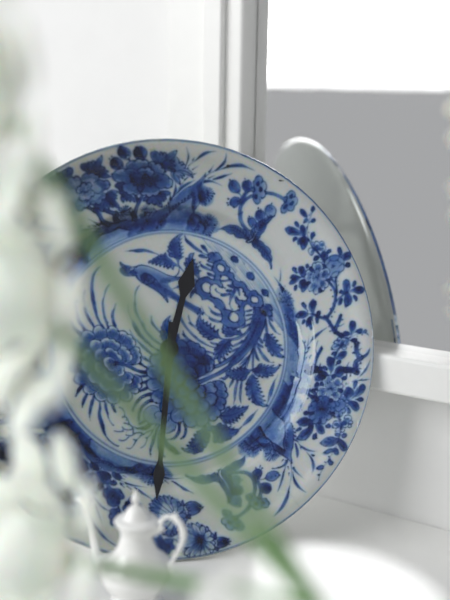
**12:31**
